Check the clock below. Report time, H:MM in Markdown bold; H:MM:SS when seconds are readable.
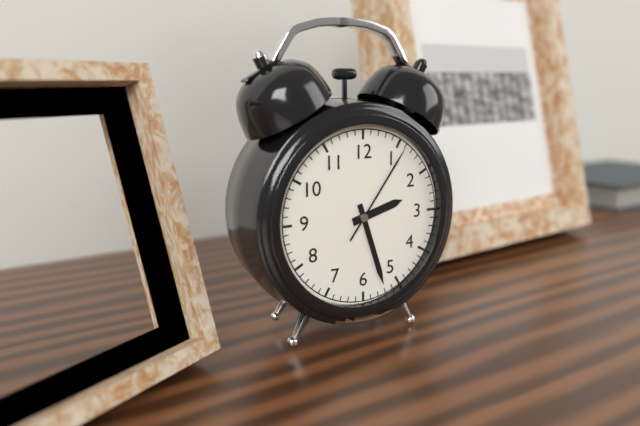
**2:27:06**
